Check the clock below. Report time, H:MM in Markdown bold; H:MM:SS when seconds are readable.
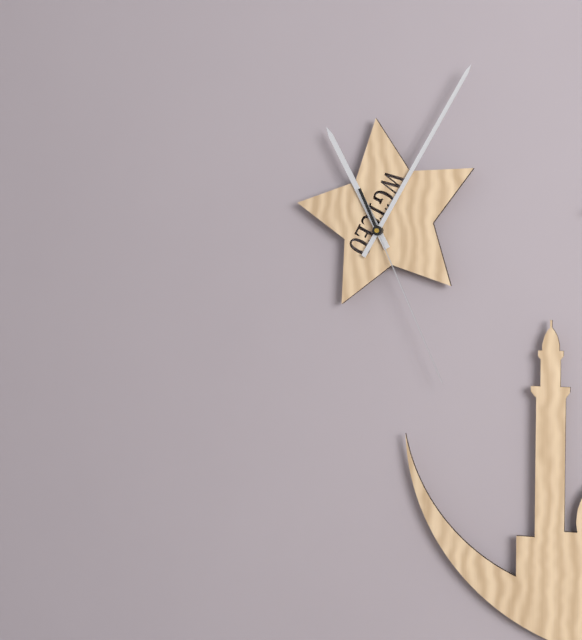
**11:05:26**
